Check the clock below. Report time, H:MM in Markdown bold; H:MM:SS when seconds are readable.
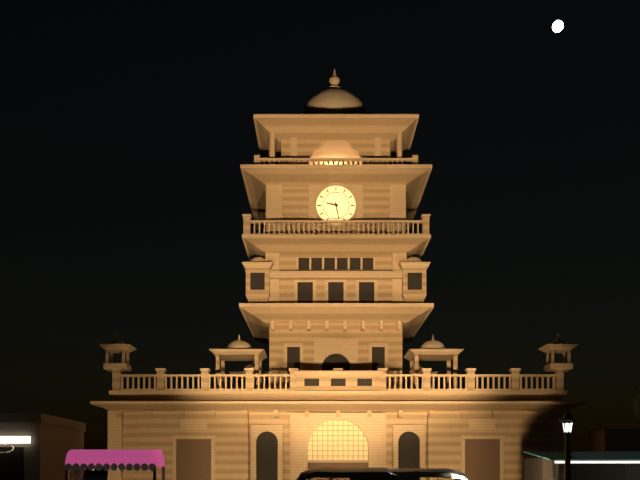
**9:28**
